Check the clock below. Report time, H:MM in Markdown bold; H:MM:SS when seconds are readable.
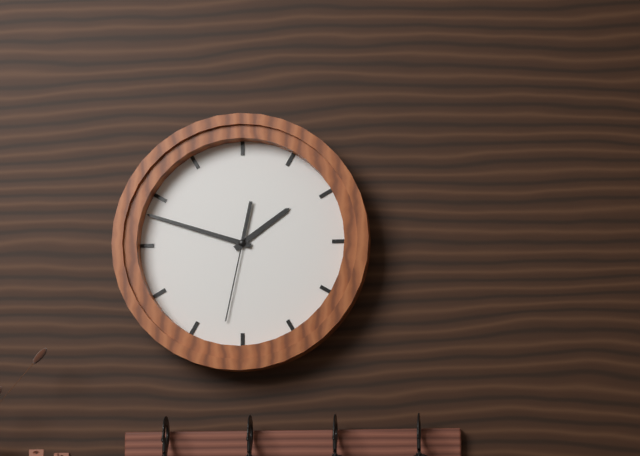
**1:48:32**
